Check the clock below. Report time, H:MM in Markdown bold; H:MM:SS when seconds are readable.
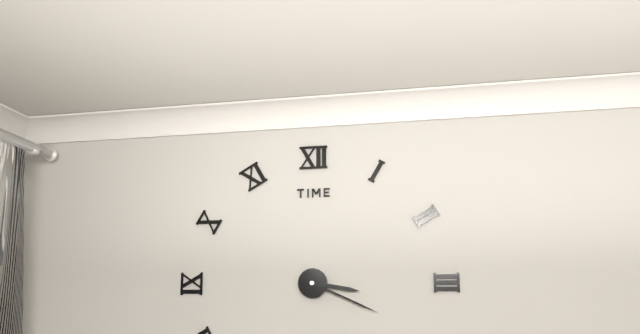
**3:19**
